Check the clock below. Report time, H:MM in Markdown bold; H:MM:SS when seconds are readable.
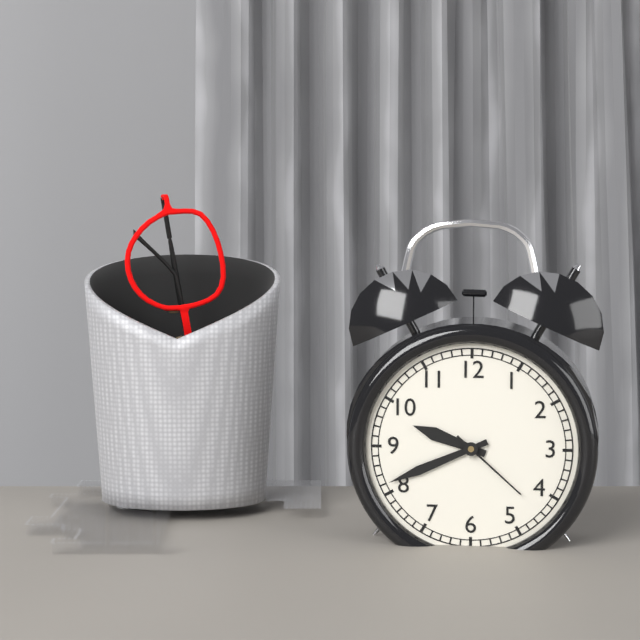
**9:41:22**
